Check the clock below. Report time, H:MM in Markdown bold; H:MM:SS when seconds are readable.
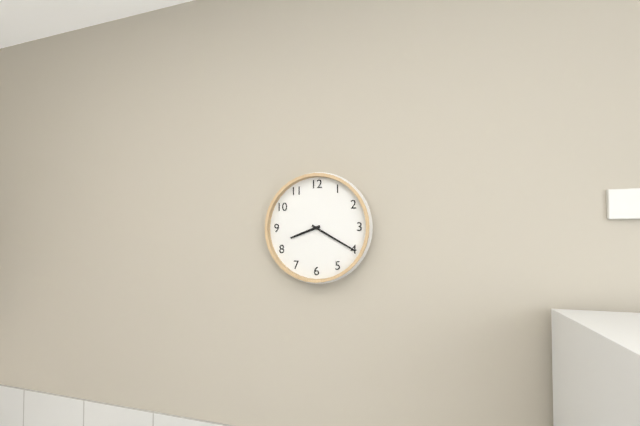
**8:20**
